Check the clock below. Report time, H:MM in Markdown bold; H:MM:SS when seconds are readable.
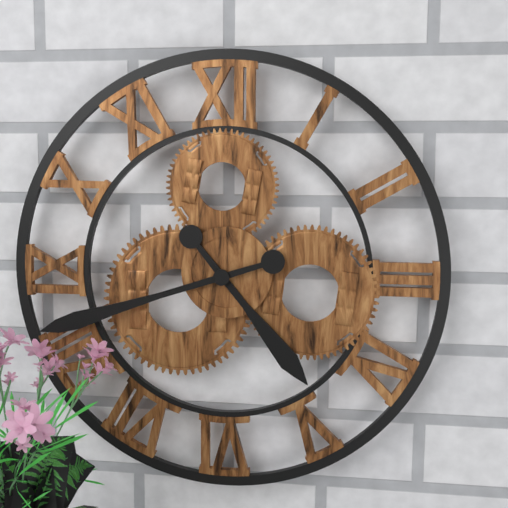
**4:42**
